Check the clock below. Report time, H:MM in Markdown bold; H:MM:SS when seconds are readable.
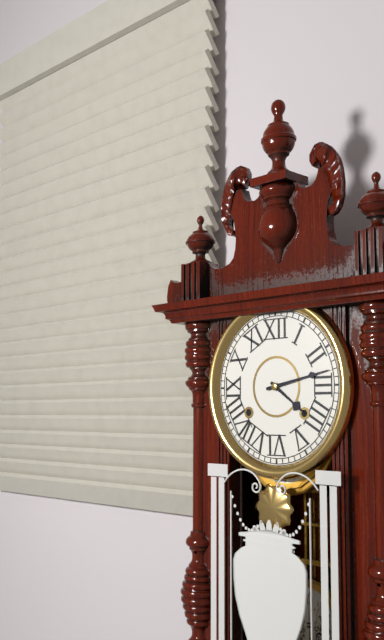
**4:13**
